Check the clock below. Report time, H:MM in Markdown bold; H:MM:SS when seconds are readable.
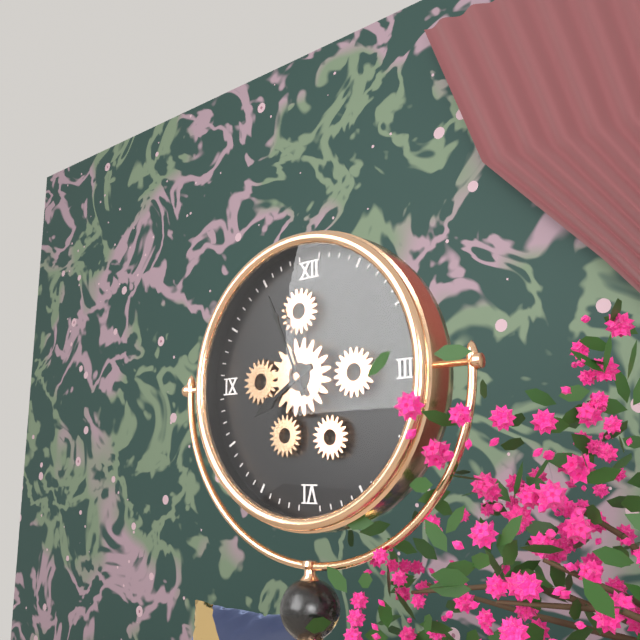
**7:56**
